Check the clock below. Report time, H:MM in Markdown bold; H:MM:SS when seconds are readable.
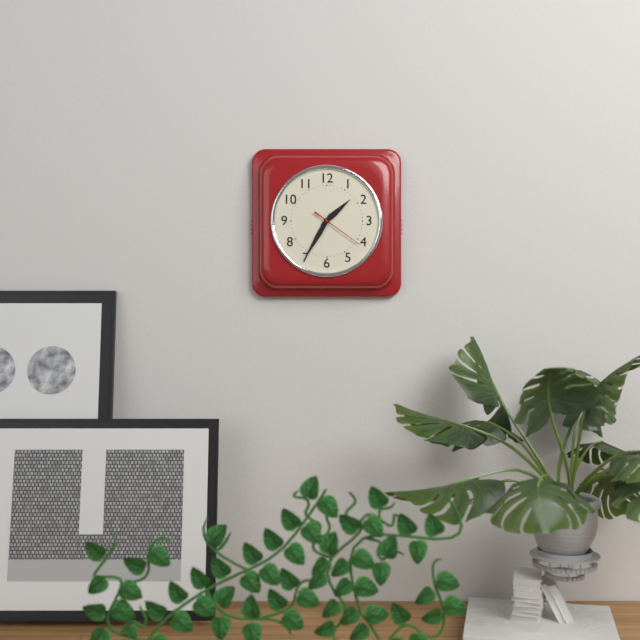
**1:35:21**
